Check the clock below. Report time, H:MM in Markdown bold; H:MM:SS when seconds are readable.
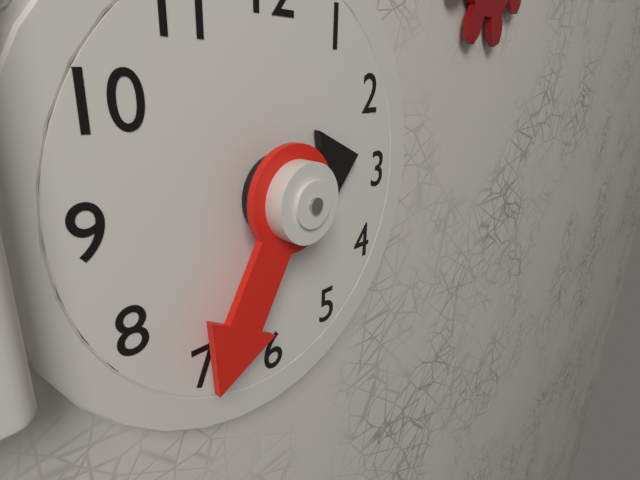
**2:35**
